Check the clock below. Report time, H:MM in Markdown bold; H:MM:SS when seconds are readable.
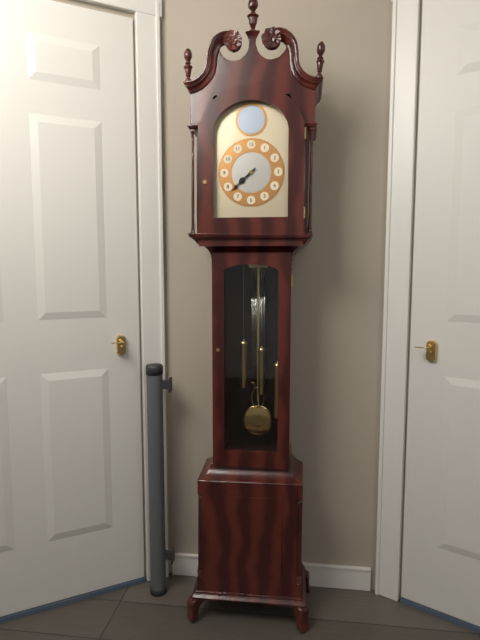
**7:38**
